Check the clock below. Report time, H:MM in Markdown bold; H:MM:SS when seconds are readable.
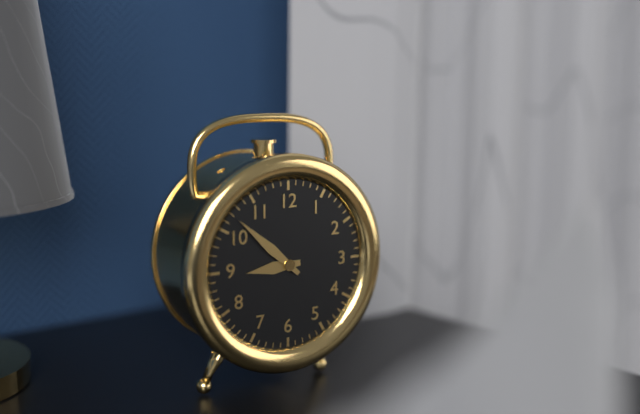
**8:52**
